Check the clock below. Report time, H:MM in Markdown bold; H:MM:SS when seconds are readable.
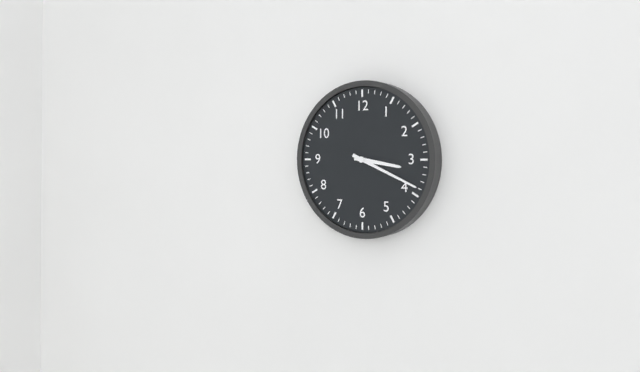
**3:19**
